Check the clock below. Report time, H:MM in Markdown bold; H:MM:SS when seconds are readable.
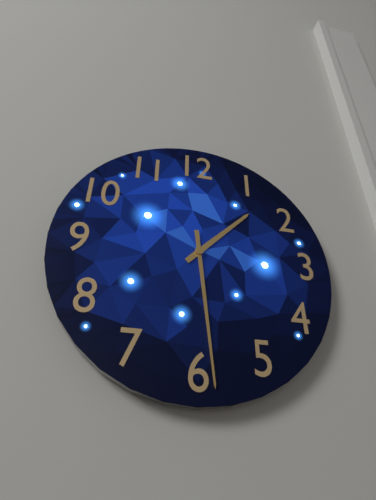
**1:29**
